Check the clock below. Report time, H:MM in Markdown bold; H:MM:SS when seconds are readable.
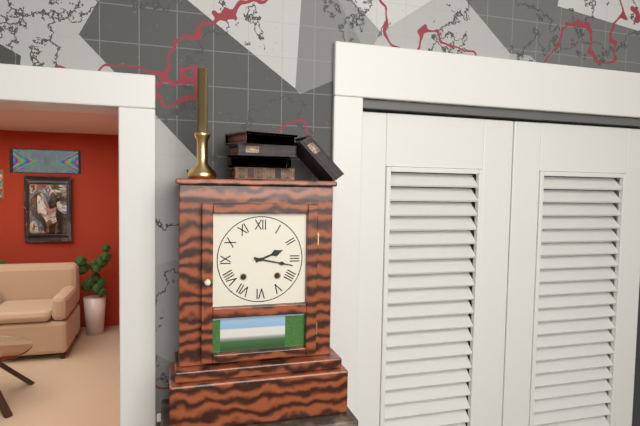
**2:17**
